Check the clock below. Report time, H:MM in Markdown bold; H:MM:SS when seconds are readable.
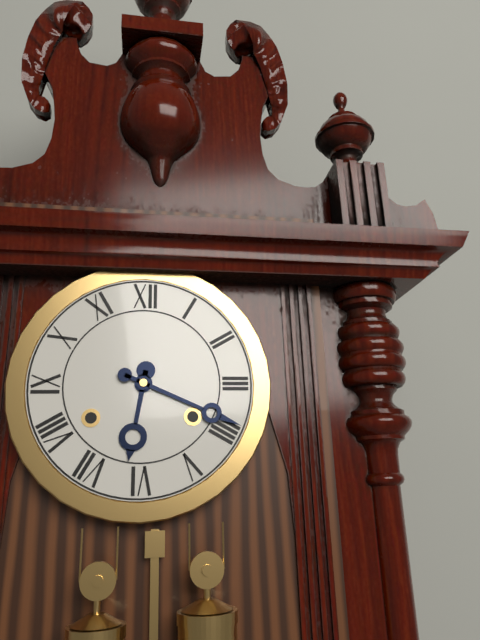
**6:19**
